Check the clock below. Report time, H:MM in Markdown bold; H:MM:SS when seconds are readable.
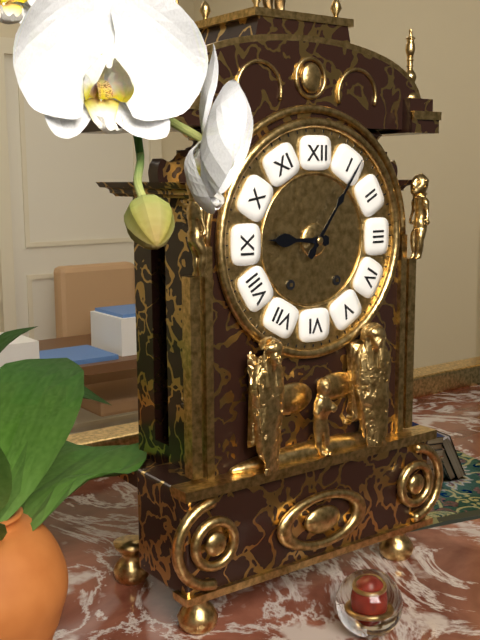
**9:06**
